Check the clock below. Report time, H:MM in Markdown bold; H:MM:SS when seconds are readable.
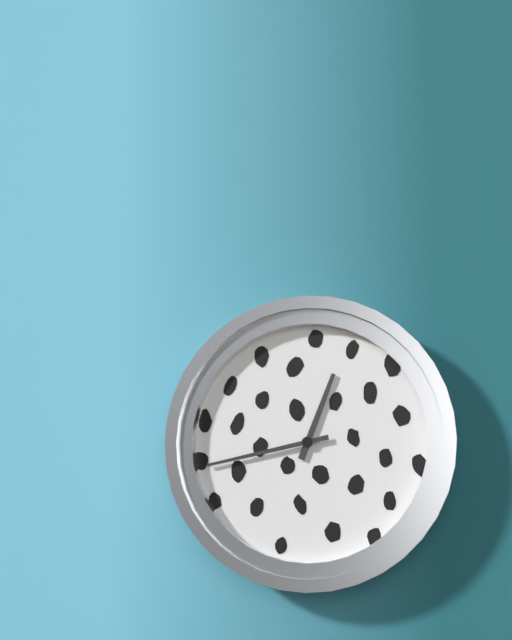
**12:43**
